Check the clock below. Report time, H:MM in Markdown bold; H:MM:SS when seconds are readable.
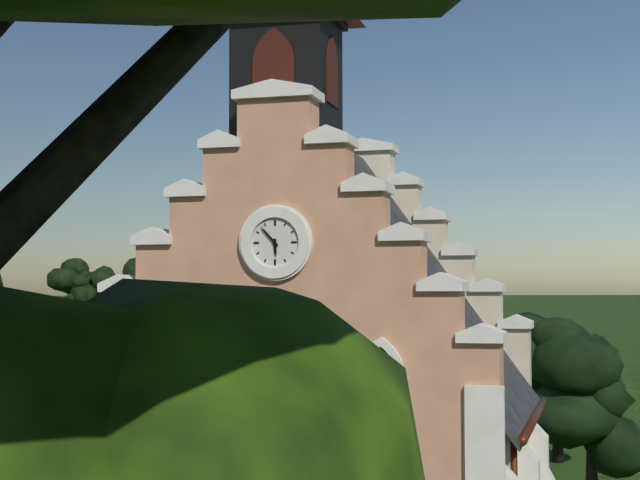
**5:53**
